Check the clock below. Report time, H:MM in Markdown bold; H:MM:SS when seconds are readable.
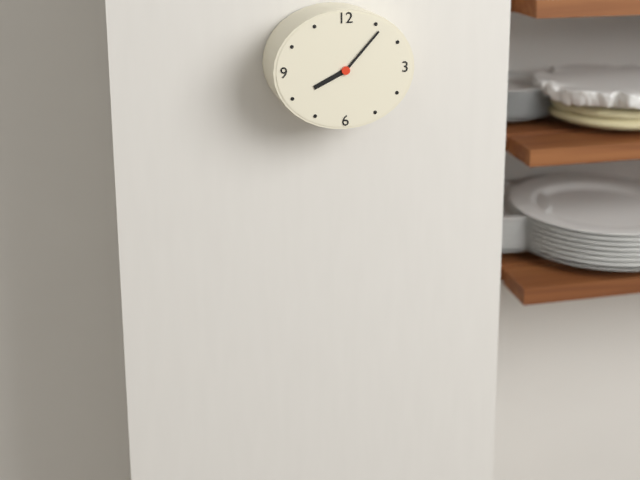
**8:07**
